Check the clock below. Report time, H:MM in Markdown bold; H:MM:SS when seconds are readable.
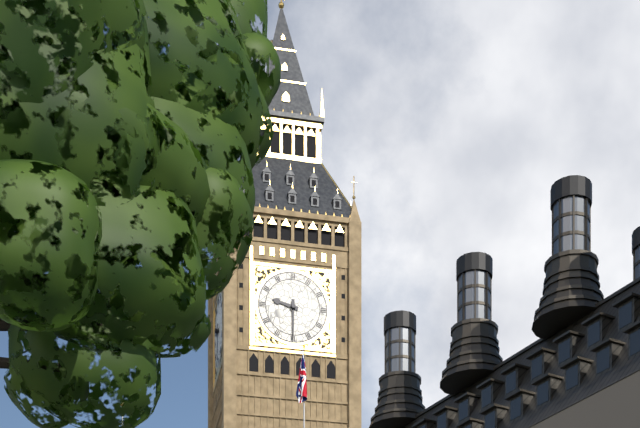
**9:30**
